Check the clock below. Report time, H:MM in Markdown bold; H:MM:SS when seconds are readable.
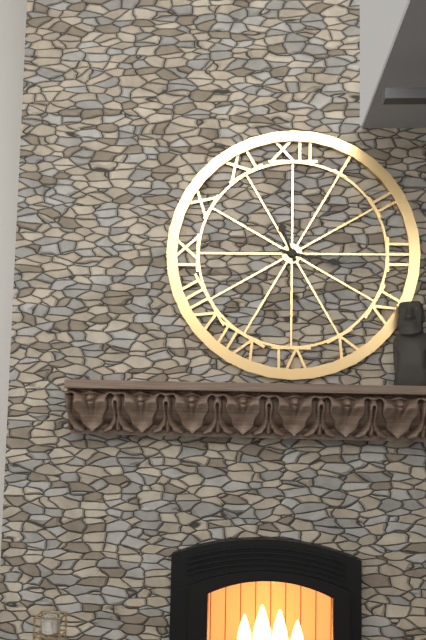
**11:17**
